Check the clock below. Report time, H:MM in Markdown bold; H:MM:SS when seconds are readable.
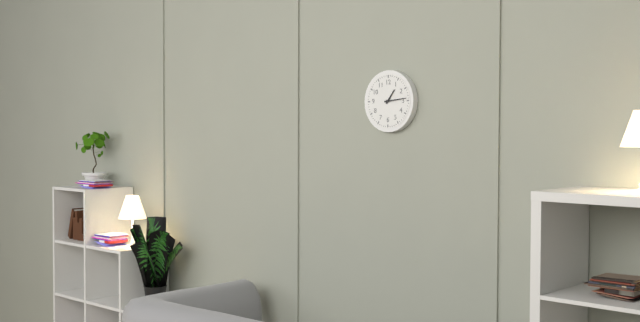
**1:14**
